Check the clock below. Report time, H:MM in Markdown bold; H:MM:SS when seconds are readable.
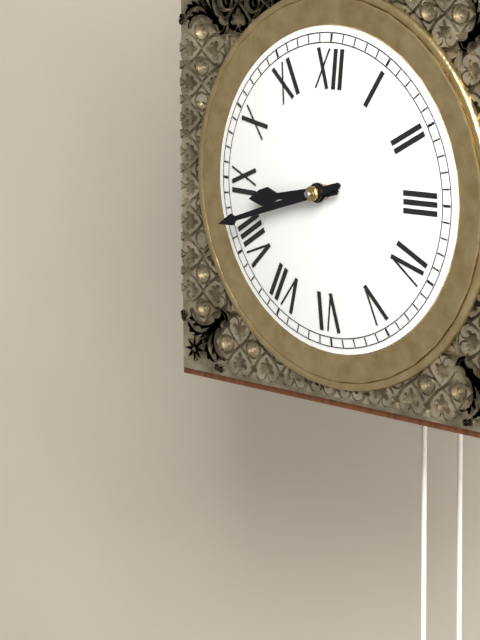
**8:42**
